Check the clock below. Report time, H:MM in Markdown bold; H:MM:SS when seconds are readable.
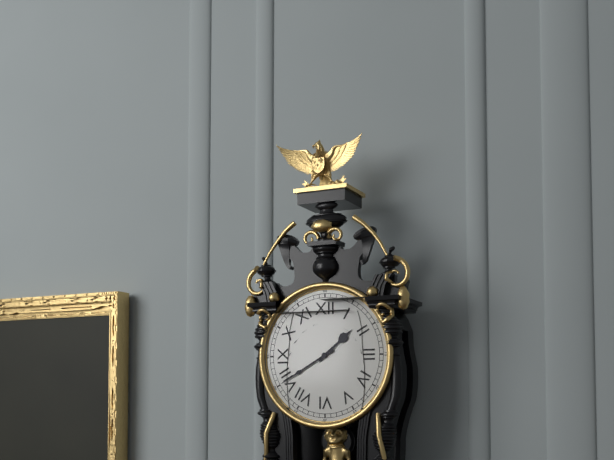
**1:40**
